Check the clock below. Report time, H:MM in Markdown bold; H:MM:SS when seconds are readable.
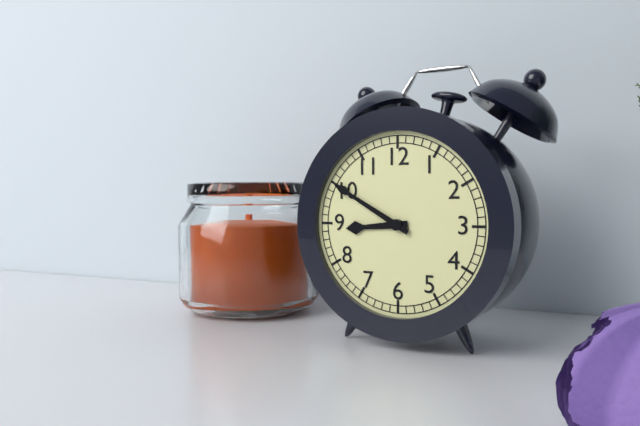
**8:50**
